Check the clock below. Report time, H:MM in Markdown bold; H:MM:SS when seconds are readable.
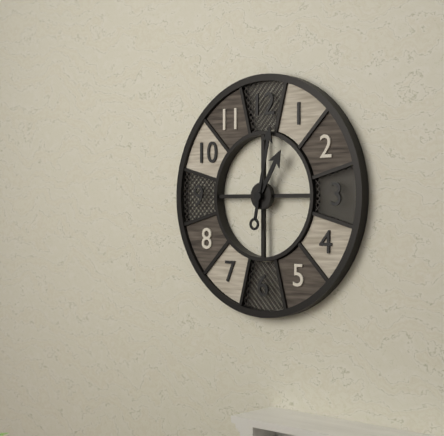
**1:02**
